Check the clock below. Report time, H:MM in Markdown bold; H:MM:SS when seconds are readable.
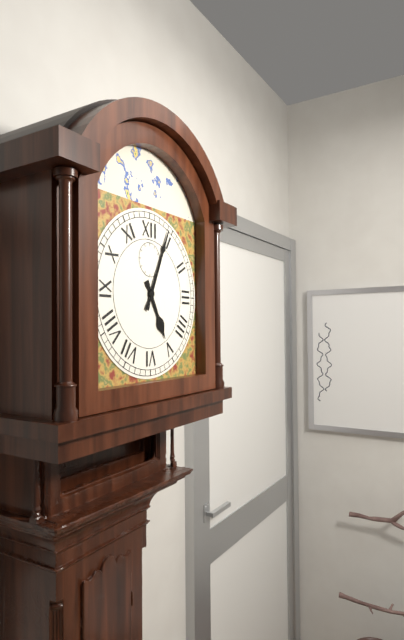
**5:04**
